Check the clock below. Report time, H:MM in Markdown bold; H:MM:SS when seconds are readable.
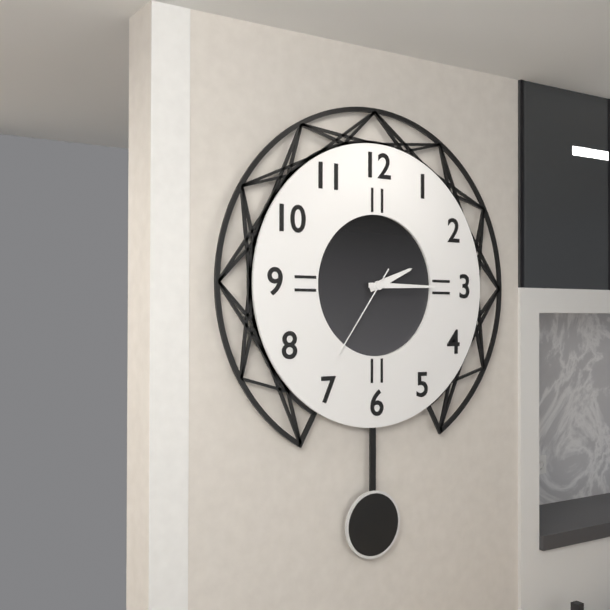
**2:15:36**
